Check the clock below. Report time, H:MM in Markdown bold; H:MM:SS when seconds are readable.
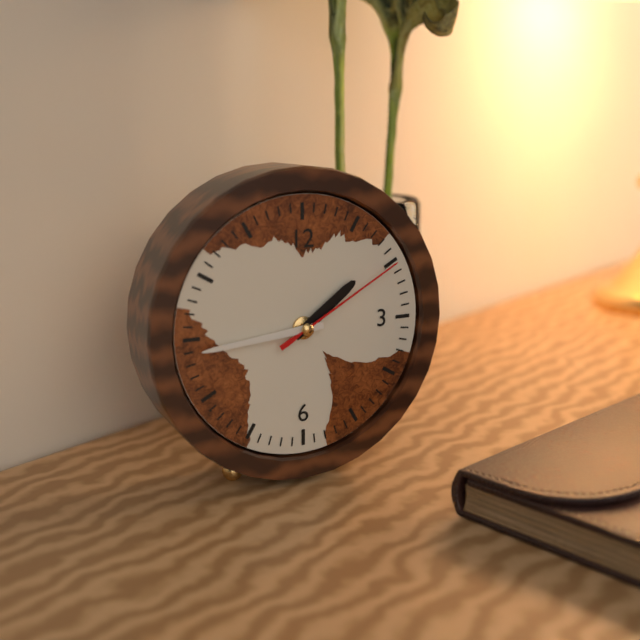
**1:44:10**
